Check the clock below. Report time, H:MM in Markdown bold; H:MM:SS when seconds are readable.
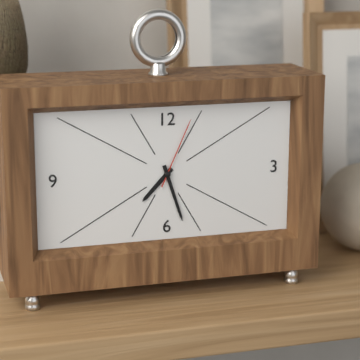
**7:27:04**
